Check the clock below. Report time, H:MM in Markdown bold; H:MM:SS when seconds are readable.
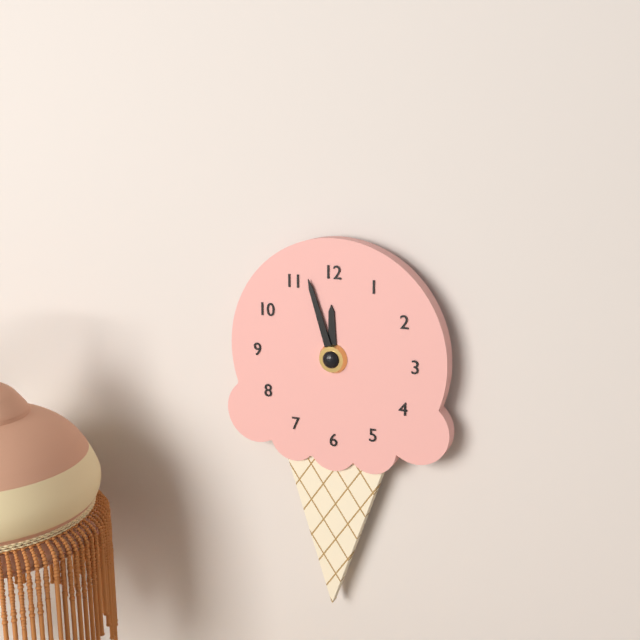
**11:57**
